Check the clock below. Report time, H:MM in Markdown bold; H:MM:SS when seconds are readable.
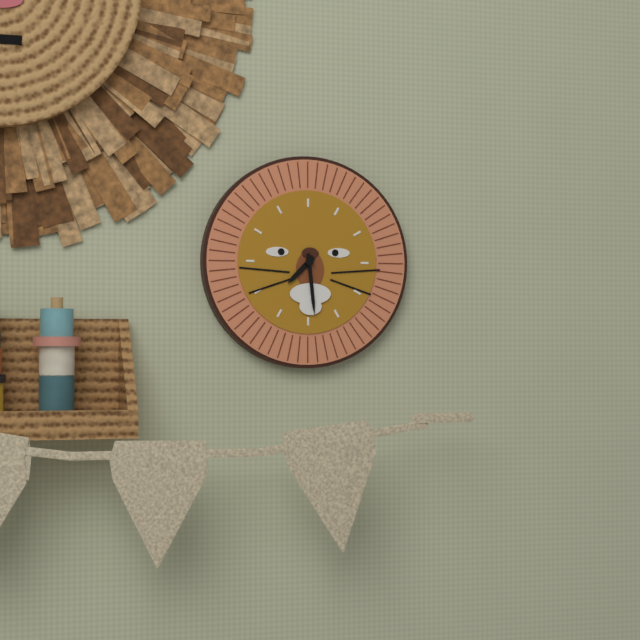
**7:29**
